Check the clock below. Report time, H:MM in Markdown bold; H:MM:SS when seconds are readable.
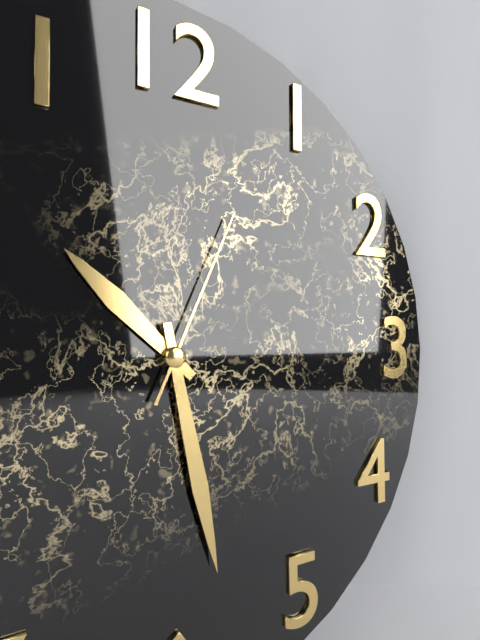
**10:28:04**
